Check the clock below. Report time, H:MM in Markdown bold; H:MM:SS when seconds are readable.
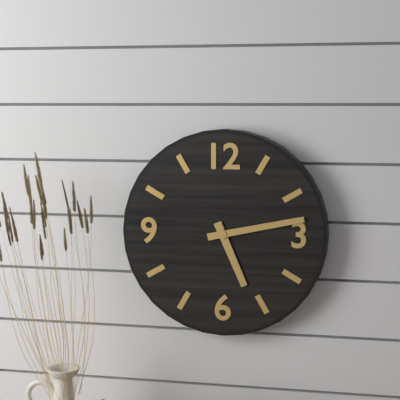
**5:13**
